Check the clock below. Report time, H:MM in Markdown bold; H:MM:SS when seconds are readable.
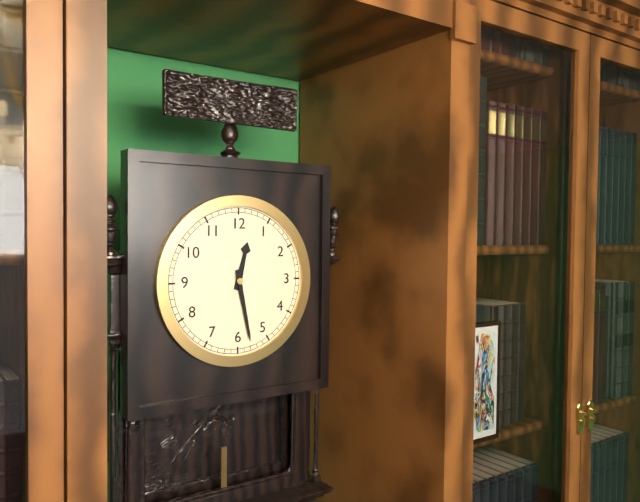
**12:28**
